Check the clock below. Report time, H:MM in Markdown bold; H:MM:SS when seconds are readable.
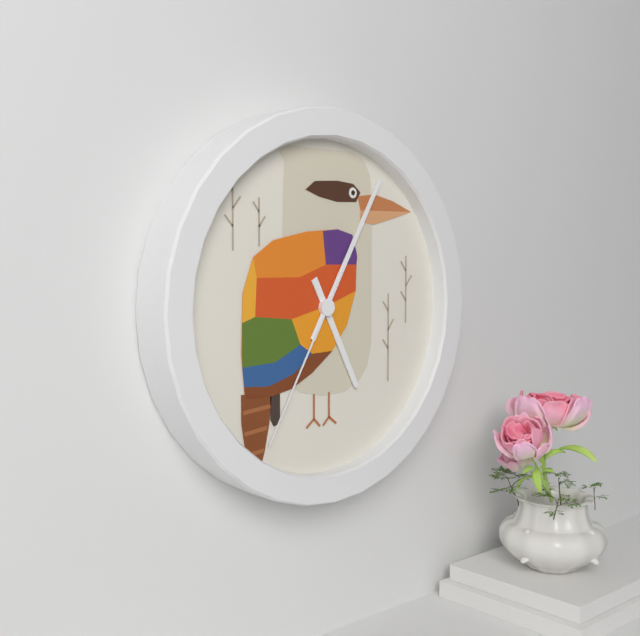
**5:05:35**
